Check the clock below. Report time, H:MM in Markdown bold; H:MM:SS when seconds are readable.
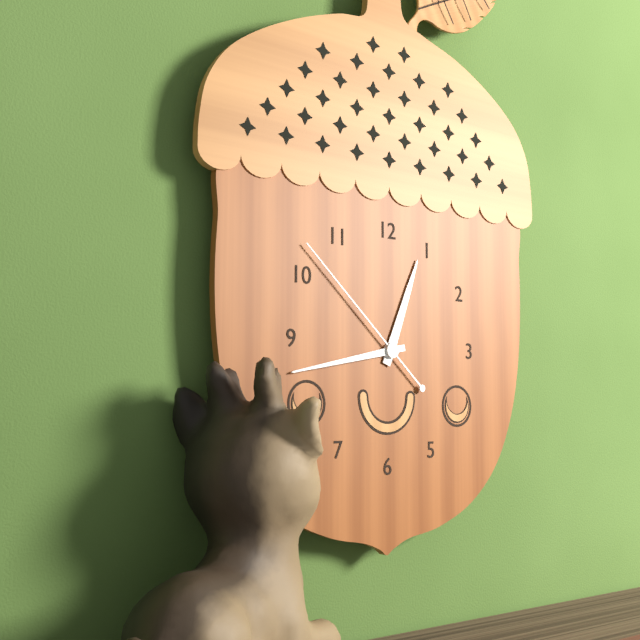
**12:43:52**
